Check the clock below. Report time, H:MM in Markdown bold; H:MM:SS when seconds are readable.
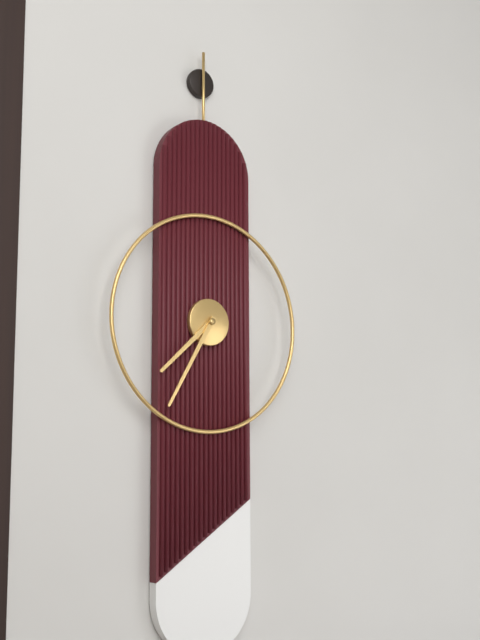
**7:35**
